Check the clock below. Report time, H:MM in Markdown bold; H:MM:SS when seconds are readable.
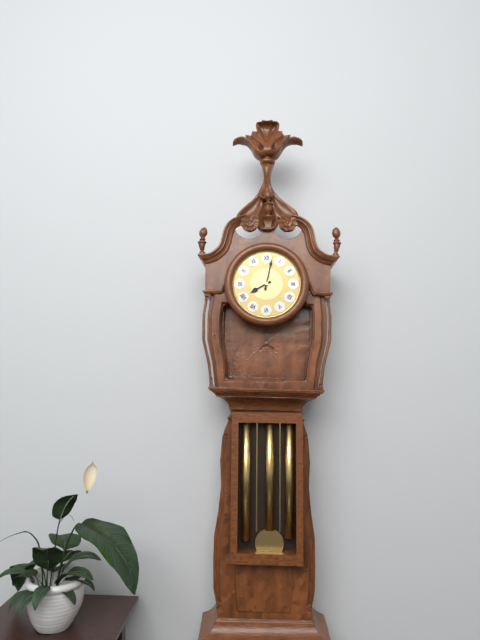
**8:02**
